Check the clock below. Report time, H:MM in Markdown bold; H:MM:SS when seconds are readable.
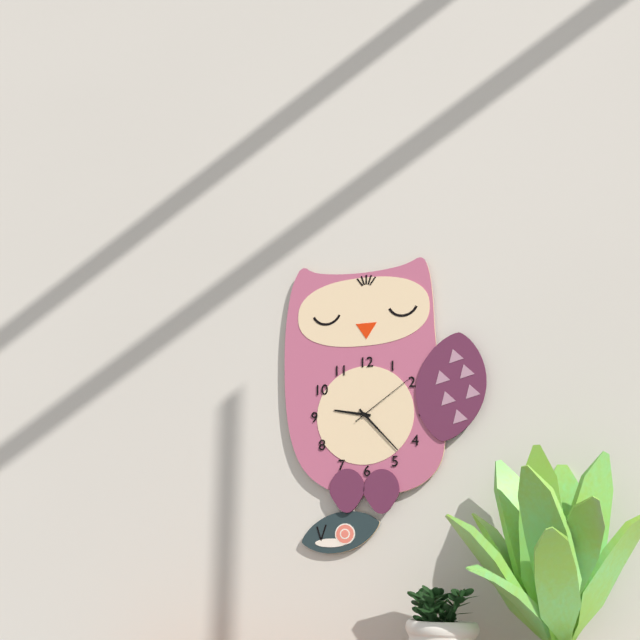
**9:23:09**
